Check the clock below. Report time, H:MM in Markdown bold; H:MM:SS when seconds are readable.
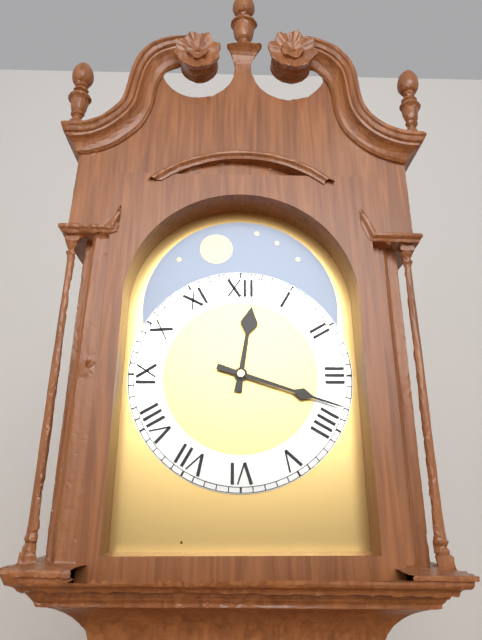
**12:18**
